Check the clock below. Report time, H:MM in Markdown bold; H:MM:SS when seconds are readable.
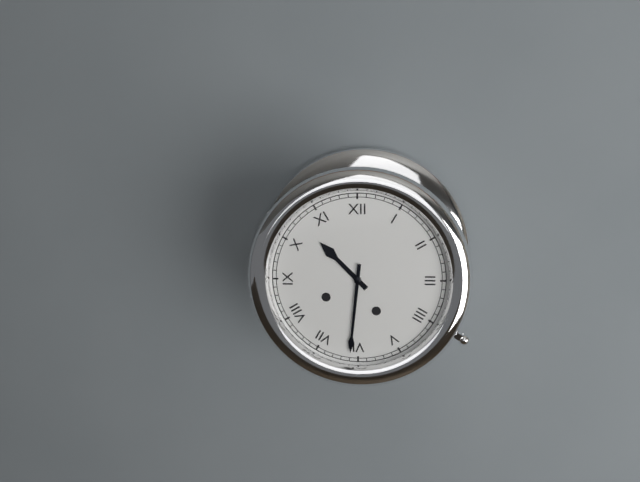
**10:31**
